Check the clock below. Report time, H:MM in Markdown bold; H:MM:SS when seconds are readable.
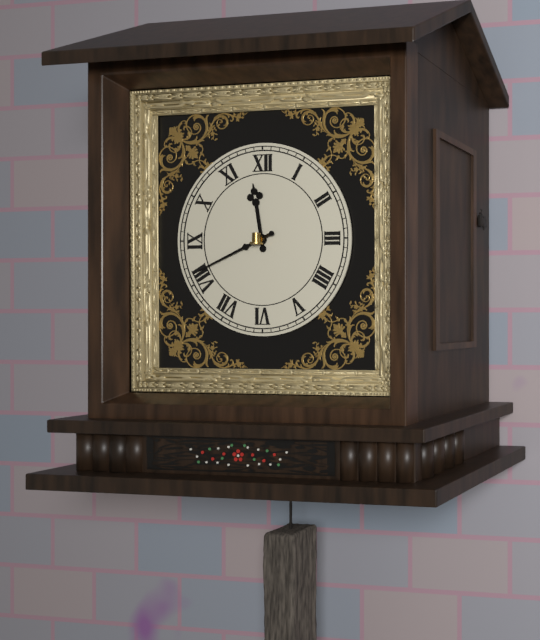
**11:41**
